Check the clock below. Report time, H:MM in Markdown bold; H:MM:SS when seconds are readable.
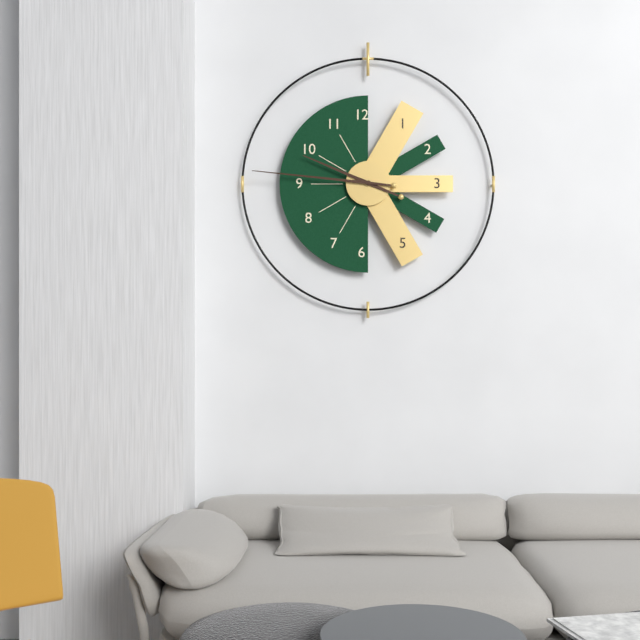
**9:46**
